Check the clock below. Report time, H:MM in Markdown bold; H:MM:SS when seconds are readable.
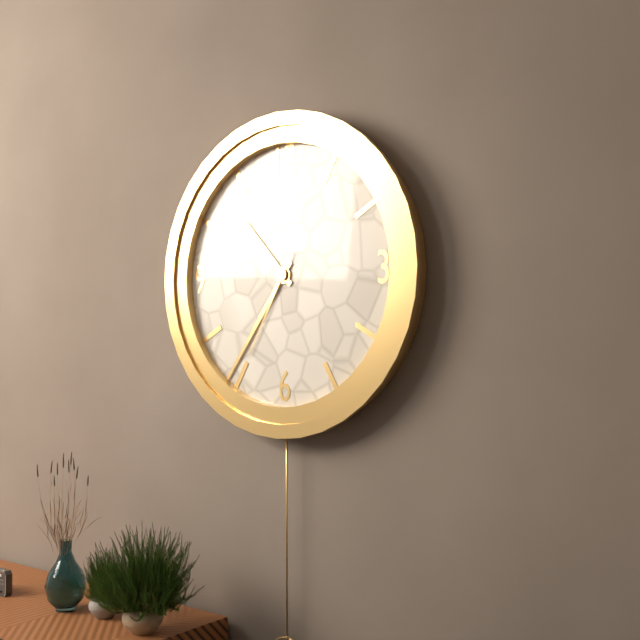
**10:36:35**
